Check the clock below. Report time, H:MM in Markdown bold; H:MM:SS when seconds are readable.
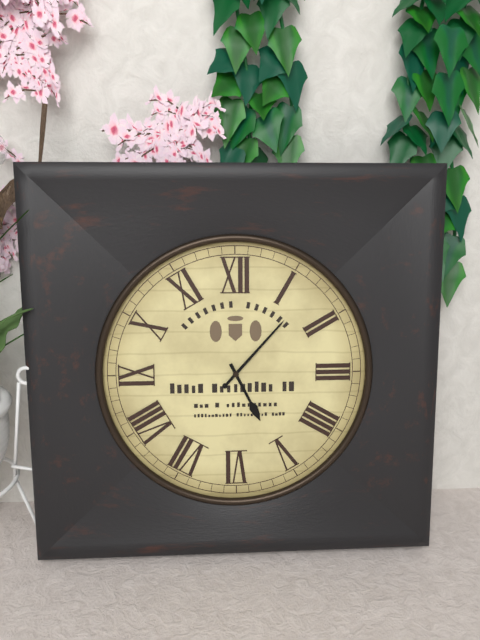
**5:07**
